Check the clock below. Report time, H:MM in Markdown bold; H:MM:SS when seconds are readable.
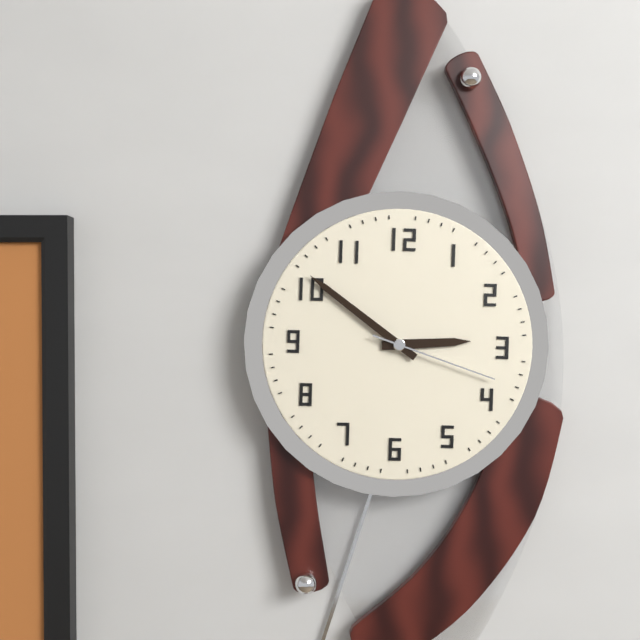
**2:51:18**
